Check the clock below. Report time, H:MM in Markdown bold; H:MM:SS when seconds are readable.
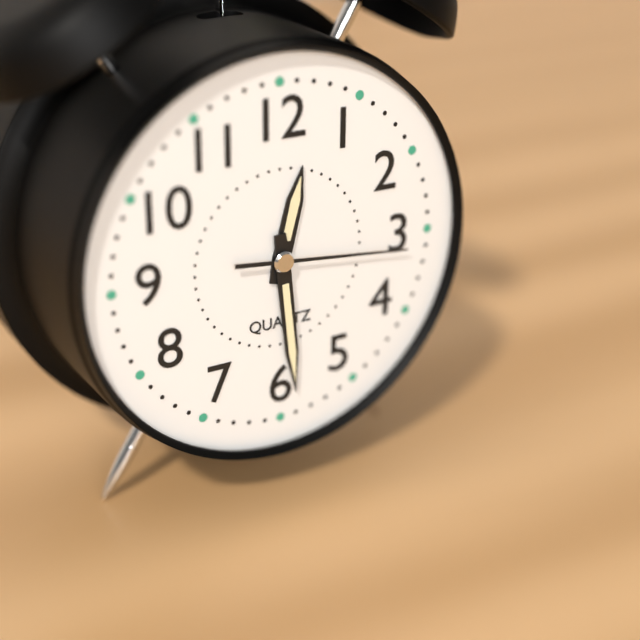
**12:29:16**
